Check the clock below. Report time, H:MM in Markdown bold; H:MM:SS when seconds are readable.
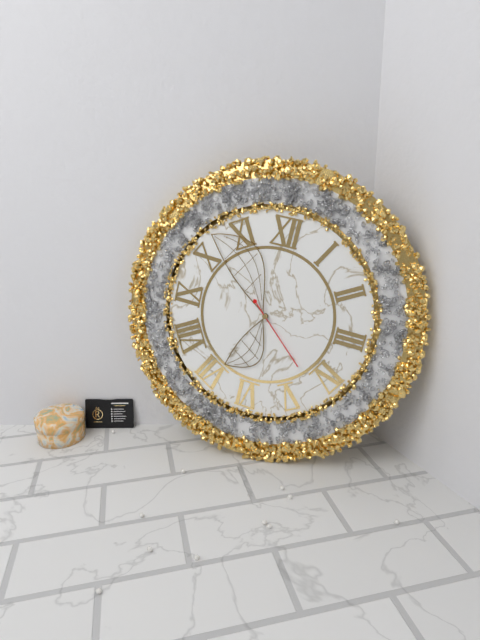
**6:52:22**
